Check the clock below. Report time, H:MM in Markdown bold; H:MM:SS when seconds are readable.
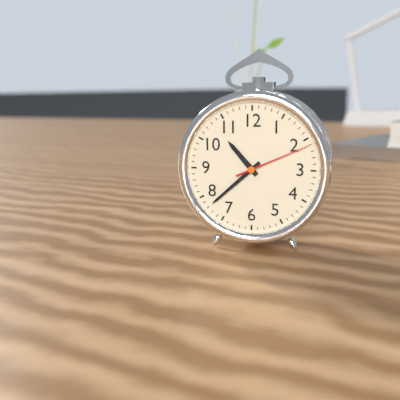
**10:38:11**
